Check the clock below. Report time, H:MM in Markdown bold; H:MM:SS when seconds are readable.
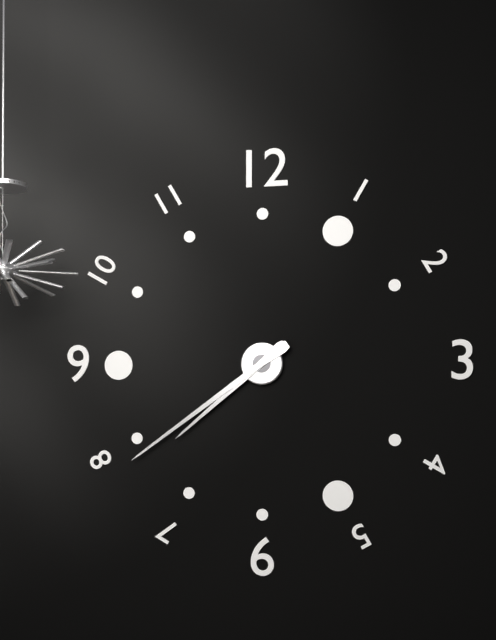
**7:39**
